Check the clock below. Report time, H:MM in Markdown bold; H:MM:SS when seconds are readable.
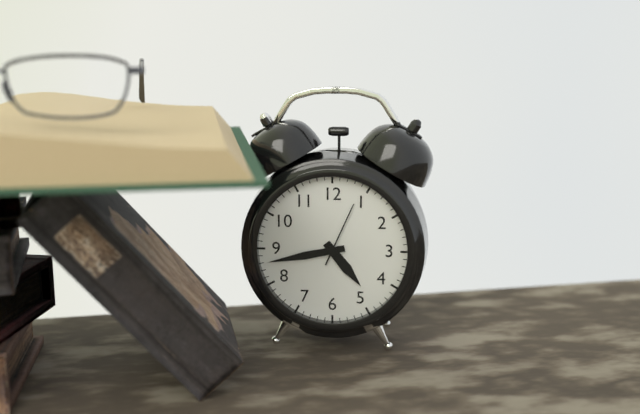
**4:43:04**
